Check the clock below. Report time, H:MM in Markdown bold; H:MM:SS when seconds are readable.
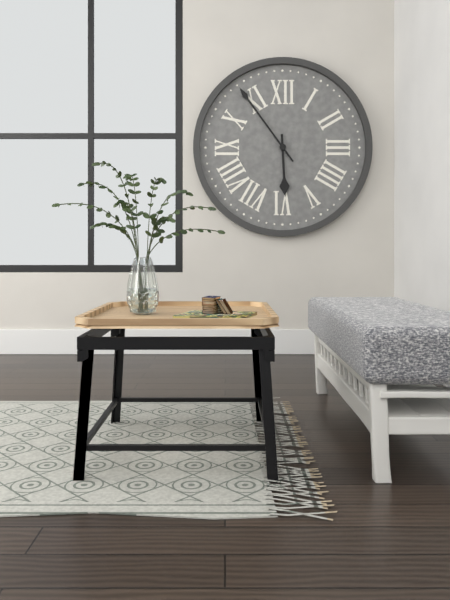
**5:54**
